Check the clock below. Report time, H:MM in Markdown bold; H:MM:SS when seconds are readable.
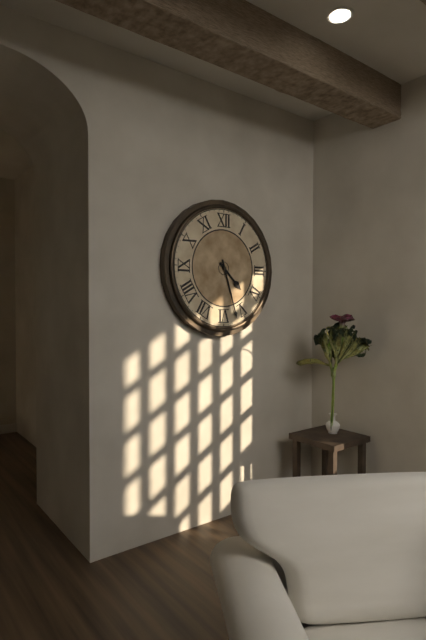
**4:27**
